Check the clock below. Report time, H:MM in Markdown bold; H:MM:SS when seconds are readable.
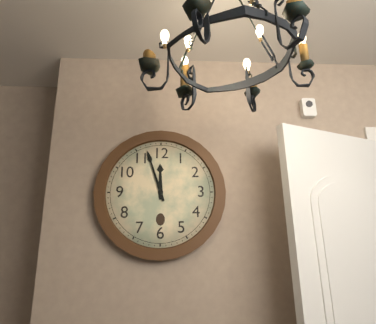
**11:57**
